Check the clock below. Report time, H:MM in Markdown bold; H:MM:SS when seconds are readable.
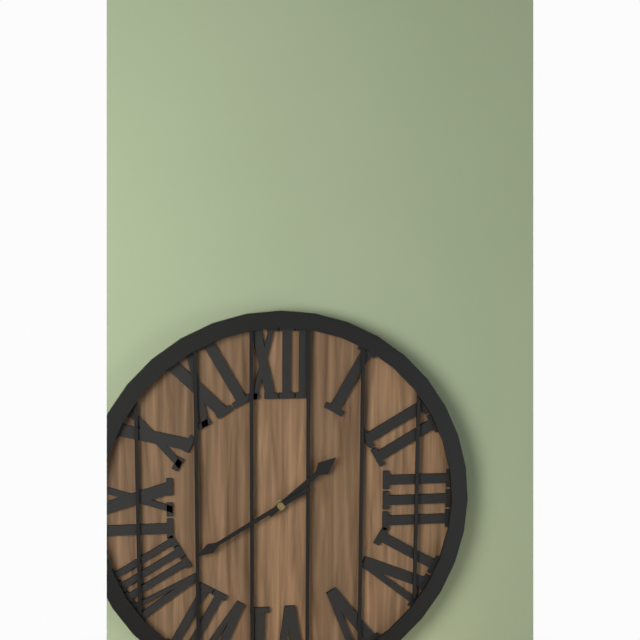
**1:40**
